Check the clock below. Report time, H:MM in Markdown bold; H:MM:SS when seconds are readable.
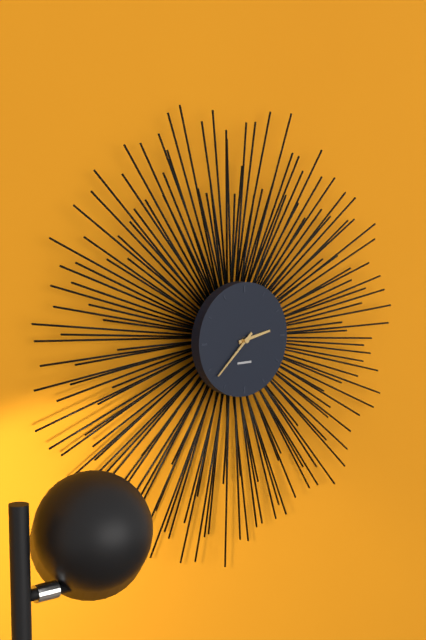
**2:38**
